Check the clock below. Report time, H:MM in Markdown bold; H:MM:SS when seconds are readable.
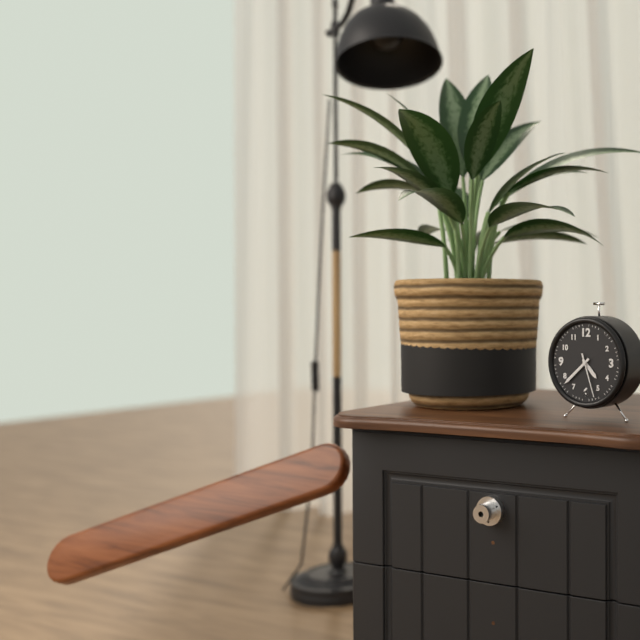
**4:38**
